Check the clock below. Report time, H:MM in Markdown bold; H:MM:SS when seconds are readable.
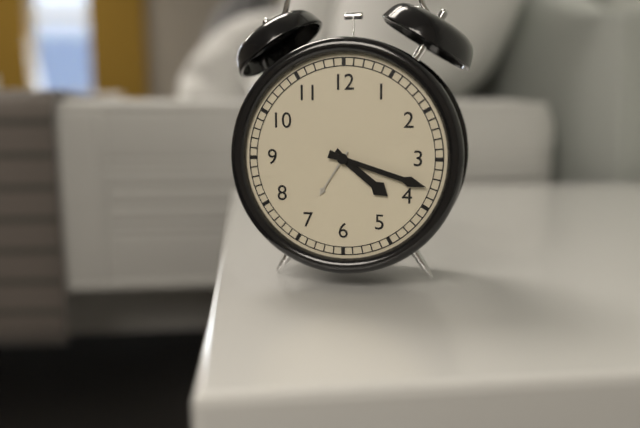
**4:18**
